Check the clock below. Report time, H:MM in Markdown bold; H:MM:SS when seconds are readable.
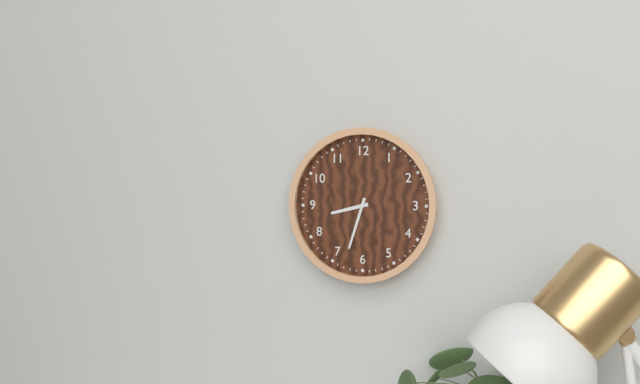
**8:33**
